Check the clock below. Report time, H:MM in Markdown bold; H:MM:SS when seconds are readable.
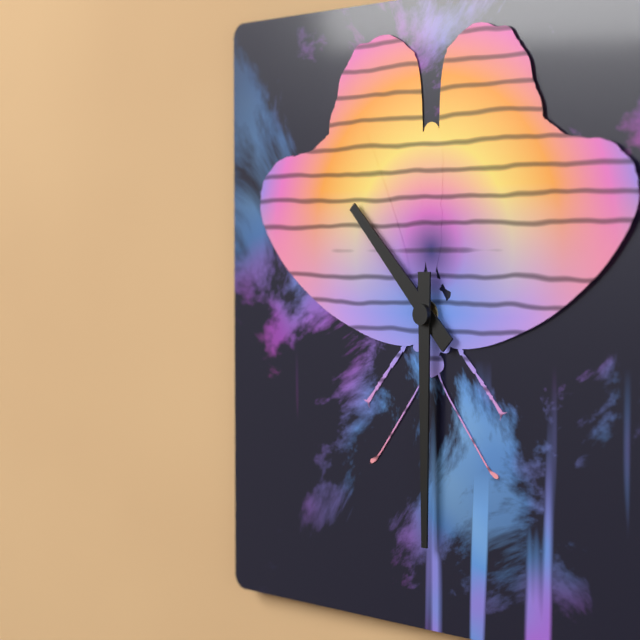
**10:30**
